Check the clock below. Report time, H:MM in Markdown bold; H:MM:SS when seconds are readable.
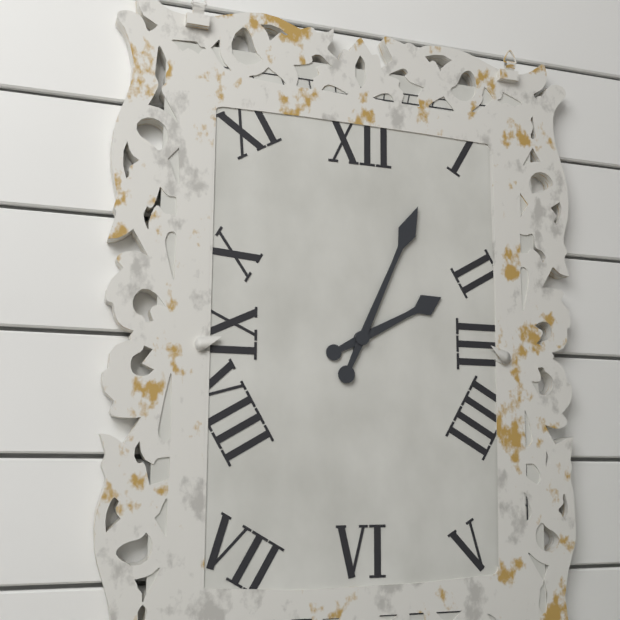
**2:04**
